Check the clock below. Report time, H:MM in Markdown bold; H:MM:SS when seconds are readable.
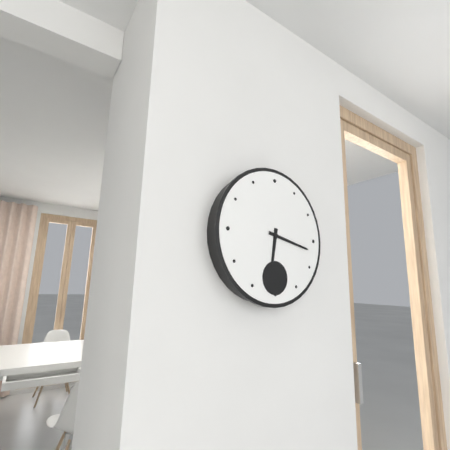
**6:17**
